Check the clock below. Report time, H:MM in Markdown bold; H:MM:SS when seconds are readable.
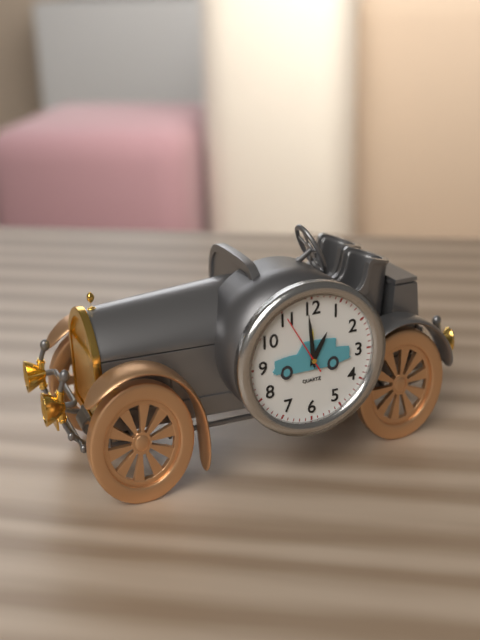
**12:59**
